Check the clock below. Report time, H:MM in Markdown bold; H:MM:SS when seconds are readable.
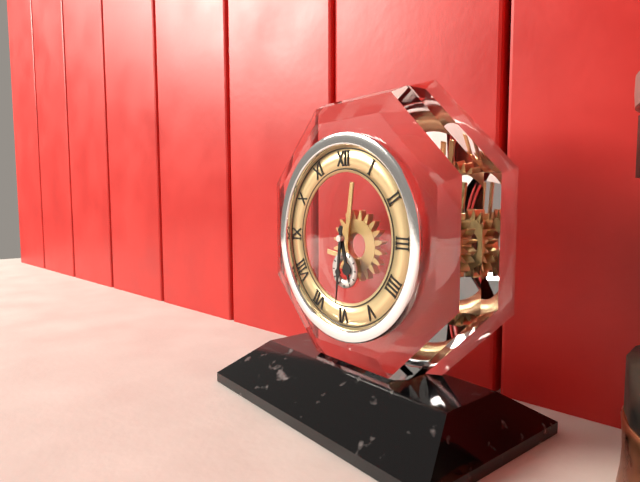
**5:31**
